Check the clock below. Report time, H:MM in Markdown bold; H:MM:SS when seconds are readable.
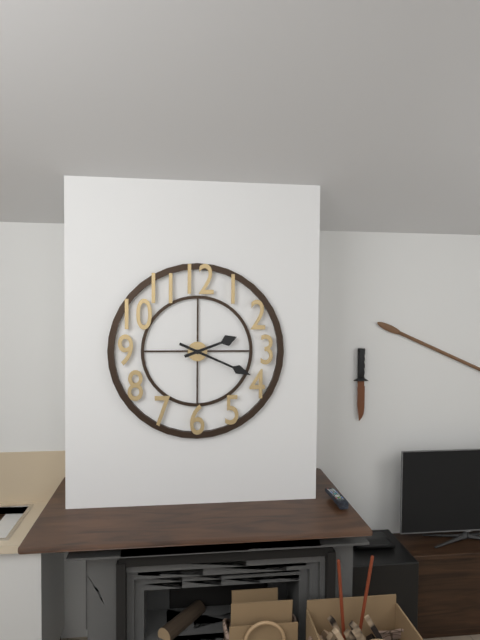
**2:19**
